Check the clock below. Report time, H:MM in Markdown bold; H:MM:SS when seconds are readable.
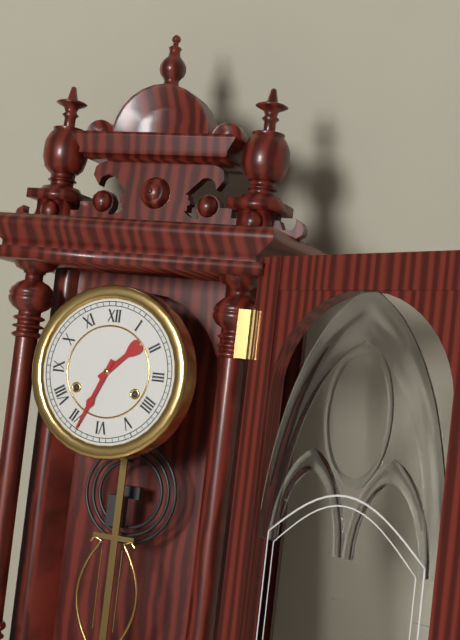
**1:34**
